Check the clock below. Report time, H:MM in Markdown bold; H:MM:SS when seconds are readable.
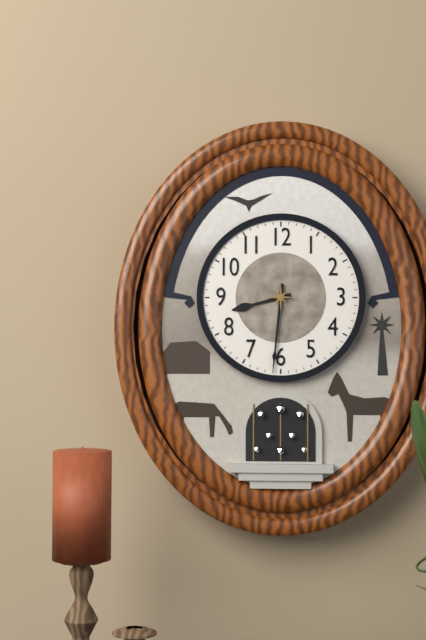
**8:31**
